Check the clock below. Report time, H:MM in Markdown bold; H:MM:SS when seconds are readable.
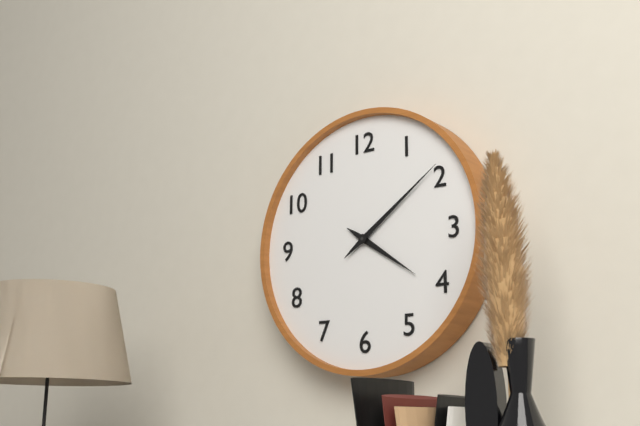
**4:09**
